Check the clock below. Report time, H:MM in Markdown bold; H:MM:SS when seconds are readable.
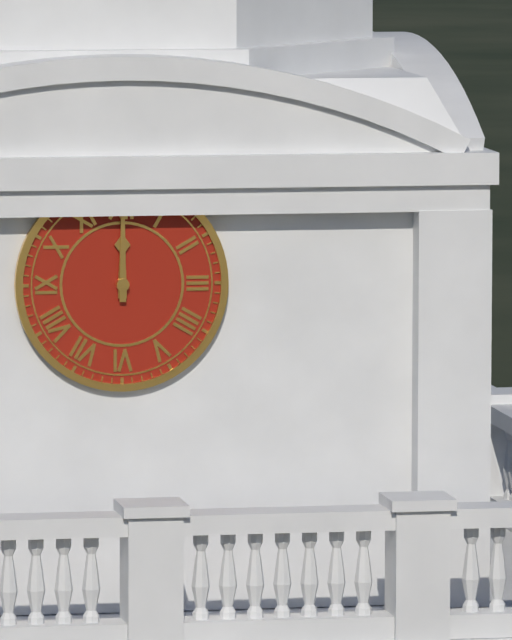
**12:00**
